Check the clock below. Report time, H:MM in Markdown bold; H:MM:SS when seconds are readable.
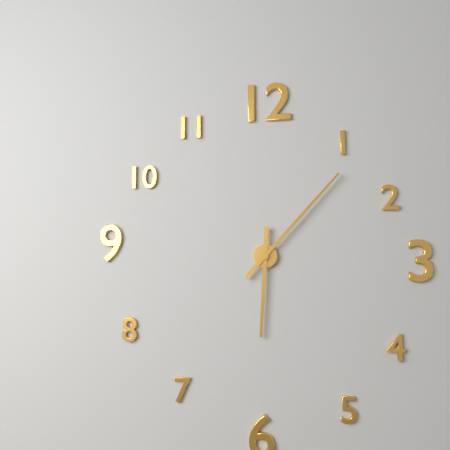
**6:07**
